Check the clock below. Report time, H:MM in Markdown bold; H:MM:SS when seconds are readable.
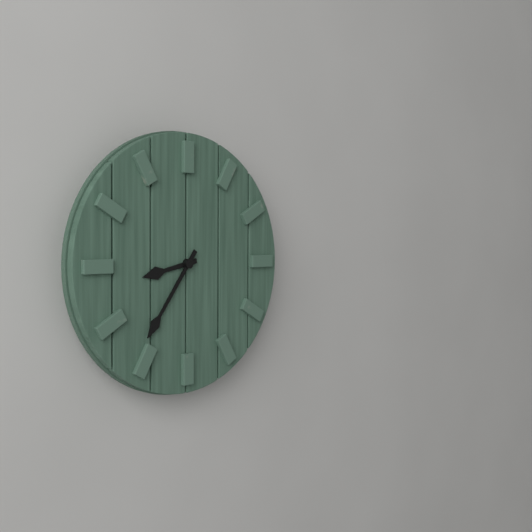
**8:36**
